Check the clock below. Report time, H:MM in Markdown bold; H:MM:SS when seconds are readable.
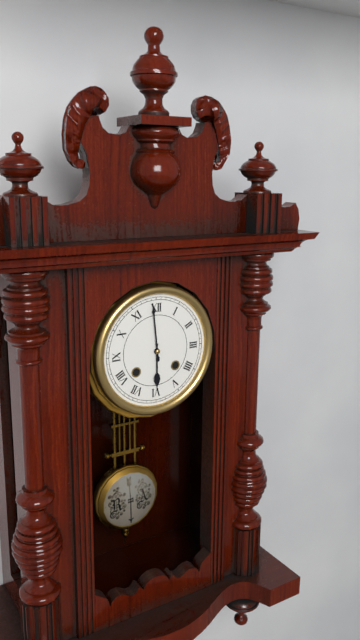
**5:59**
